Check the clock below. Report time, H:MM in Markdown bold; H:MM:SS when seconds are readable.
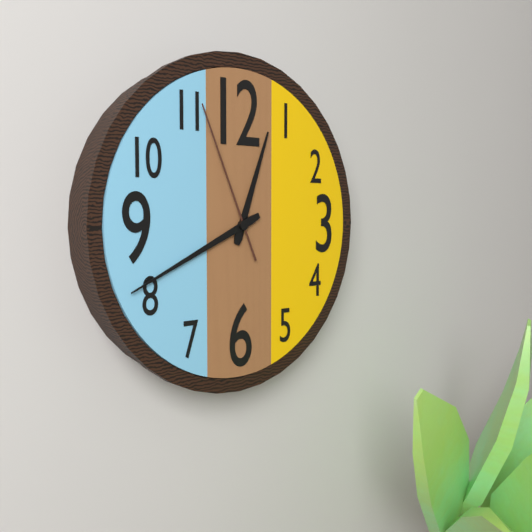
**12:41:56**
